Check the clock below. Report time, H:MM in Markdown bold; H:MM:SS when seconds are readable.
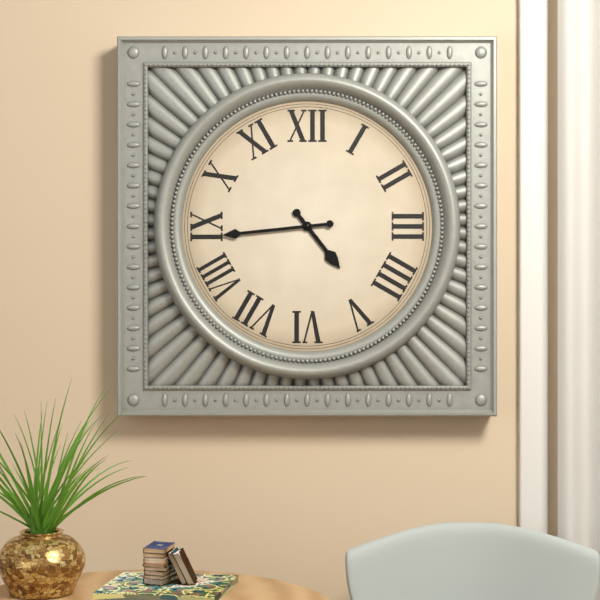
**4:44**
